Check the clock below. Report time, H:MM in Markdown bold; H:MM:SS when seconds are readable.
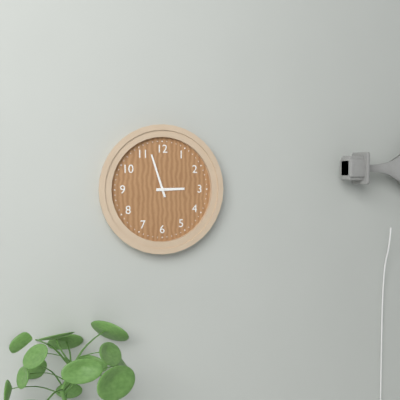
**2:57**
